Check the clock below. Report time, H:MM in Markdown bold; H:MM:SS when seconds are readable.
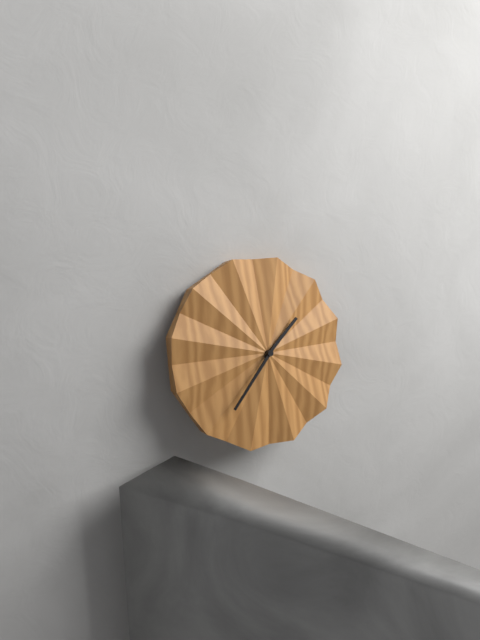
**1:37**
